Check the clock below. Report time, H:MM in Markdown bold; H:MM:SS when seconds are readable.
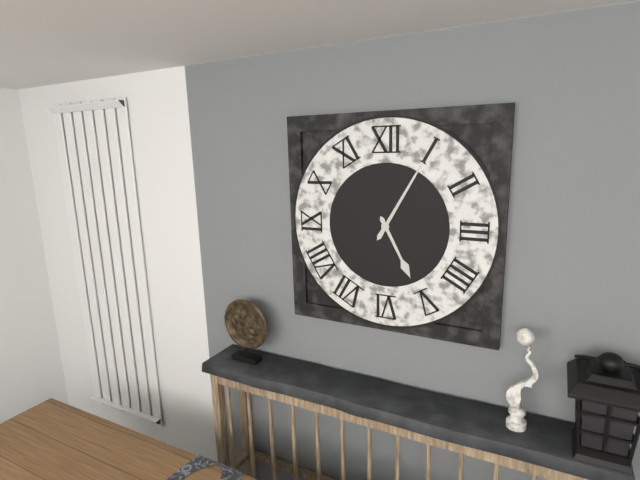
**5:05**
